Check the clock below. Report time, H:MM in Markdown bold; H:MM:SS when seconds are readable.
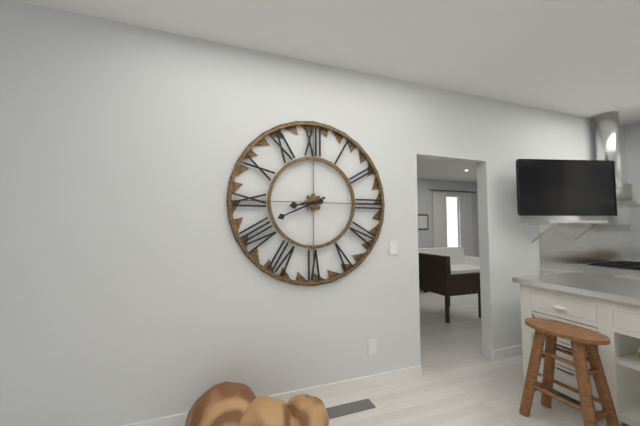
**8:41**
